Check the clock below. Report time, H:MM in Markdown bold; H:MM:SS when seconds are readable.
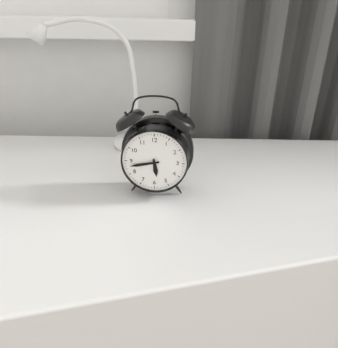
**5:43**
